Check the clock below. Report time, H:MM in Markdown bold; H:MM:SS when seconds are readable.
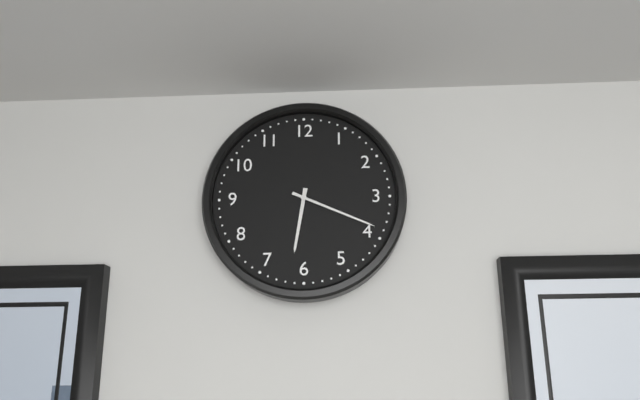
**6:19**
